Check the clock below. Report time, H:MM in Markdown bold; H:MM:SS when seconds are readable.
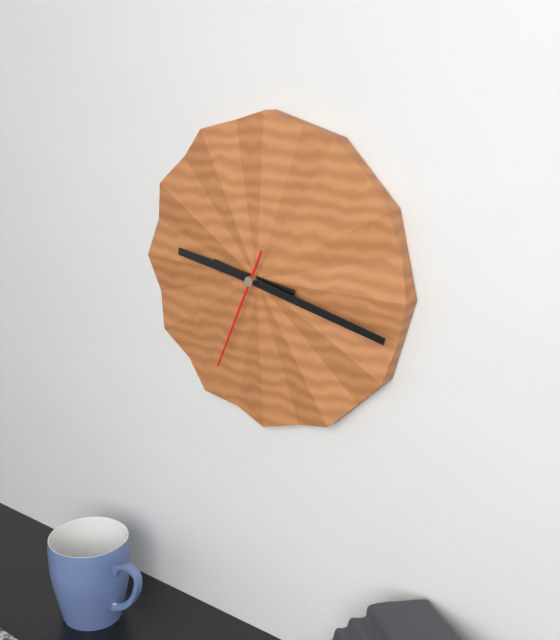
**9:17:34**
